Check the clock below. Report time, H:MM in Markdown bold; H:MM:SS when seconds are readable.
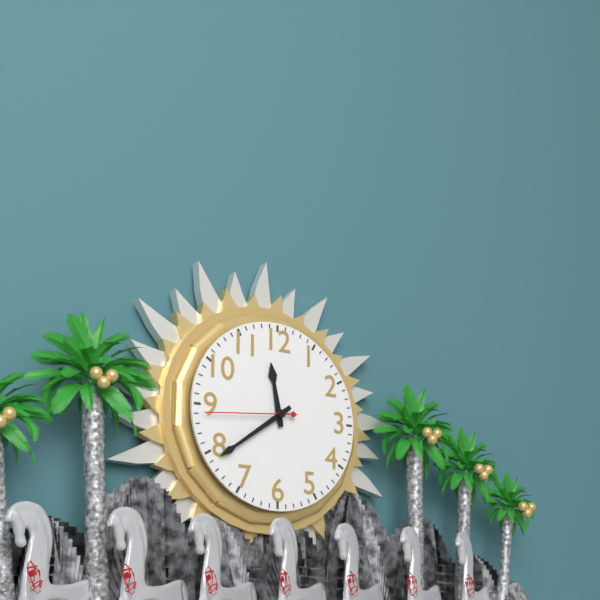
**11:39:44**
